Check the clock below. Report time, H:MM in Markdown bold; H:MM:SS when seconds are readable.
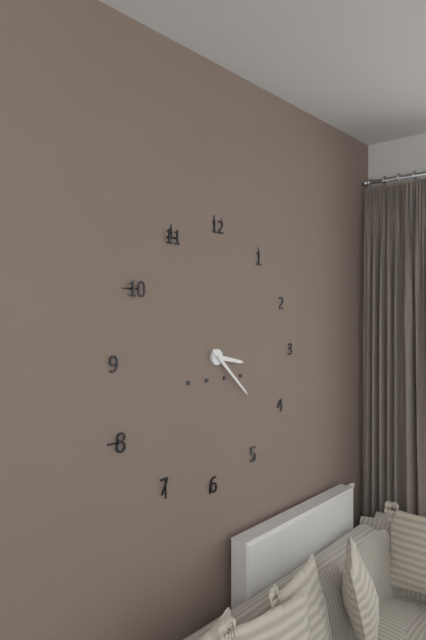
**3:22**
